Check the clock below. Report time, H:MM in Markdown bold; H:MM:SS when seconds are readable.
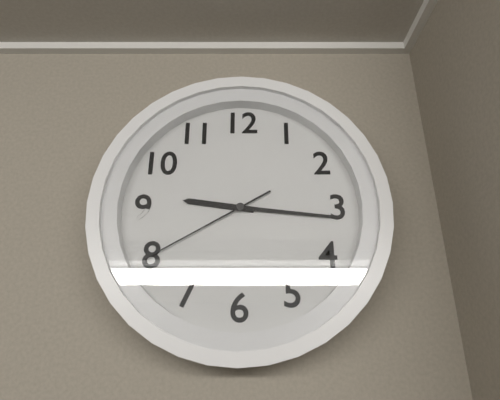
**9:16:40**
